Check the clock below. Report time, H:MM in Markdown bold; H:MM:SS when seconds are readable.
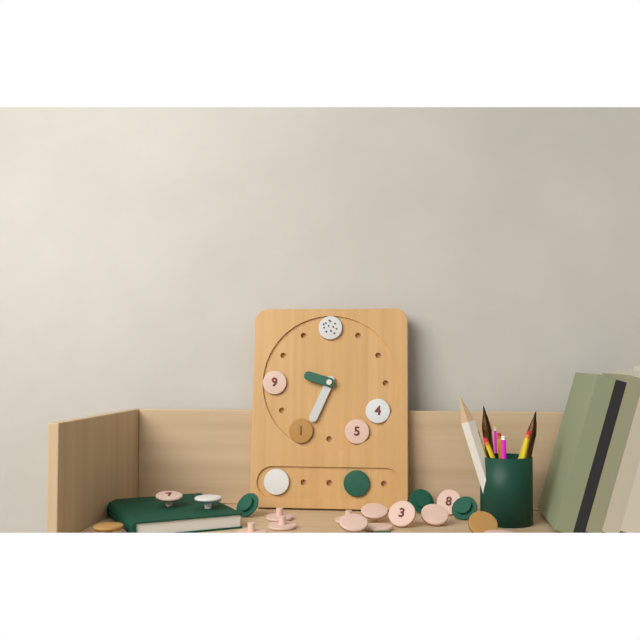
**9:34**
